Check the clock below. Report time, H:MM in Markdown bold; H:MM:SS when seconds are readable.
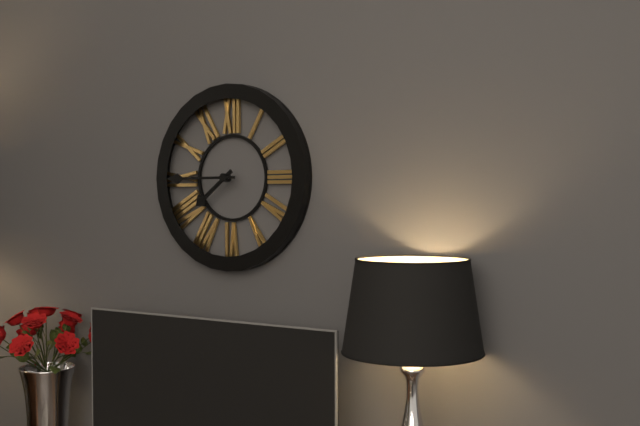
**7:45**
